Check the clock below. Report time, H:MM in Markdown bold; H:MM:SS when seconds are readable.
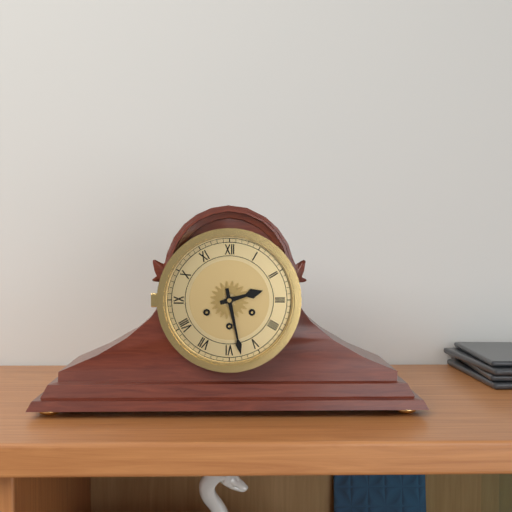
**2:28**
